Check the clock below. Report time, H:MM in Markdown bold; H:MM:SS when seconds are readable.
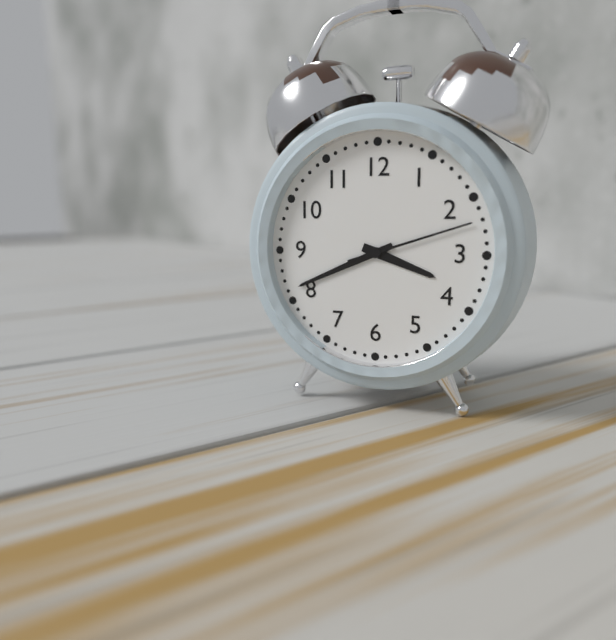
**3:41:12**
